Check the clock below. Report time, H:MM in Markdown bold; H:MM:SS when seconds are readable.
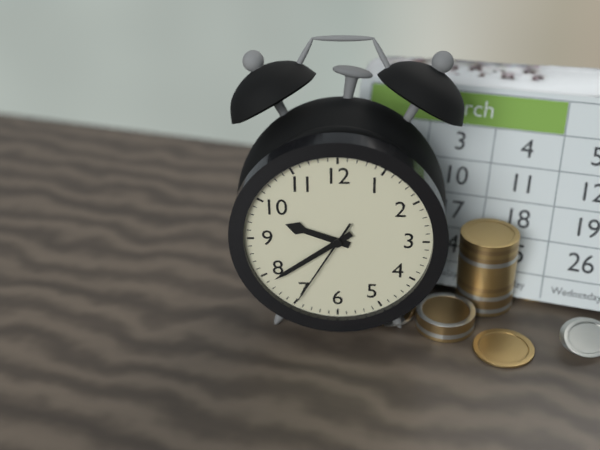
**9:39:35**
